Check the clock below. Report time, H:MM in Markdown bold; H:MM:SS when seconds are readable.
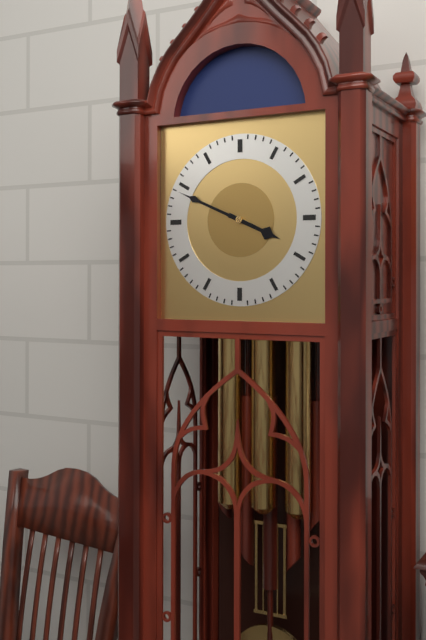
**3:49**
